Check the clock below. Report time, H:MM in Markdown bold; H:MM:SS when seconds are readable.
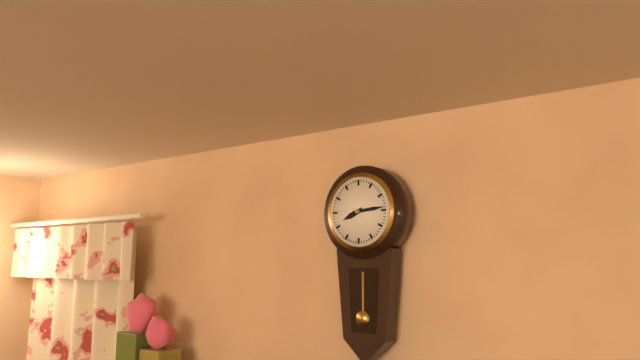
**8:14**
